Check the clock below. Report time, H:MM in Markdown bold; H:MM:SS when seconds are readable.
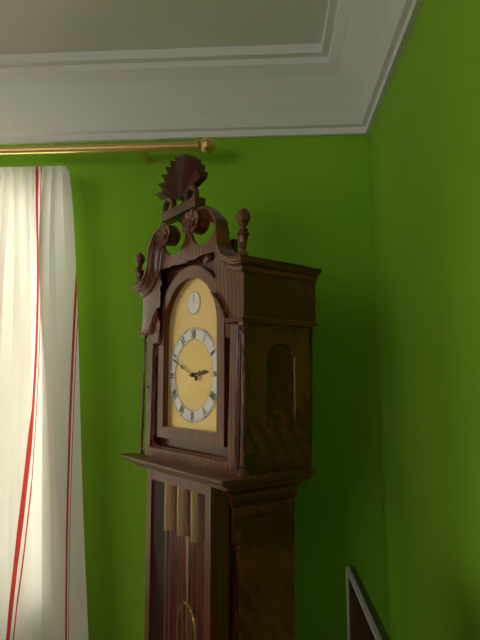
**2:49**
